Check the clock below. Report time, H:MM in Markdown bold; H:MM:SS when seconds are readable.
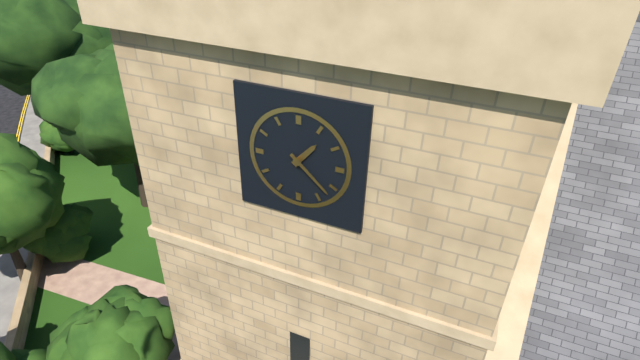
**1:22**
